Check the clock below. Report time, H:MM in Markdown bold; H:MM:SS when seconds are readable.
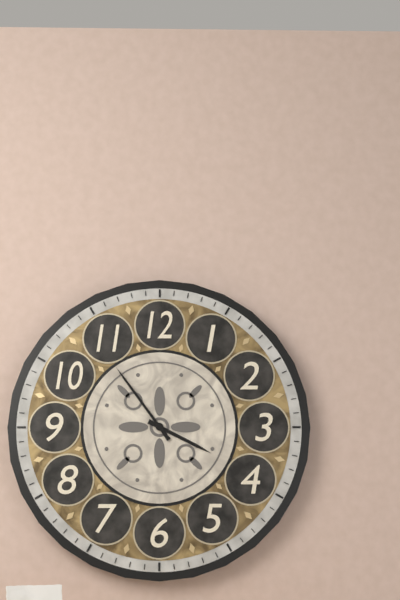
**3:54**
